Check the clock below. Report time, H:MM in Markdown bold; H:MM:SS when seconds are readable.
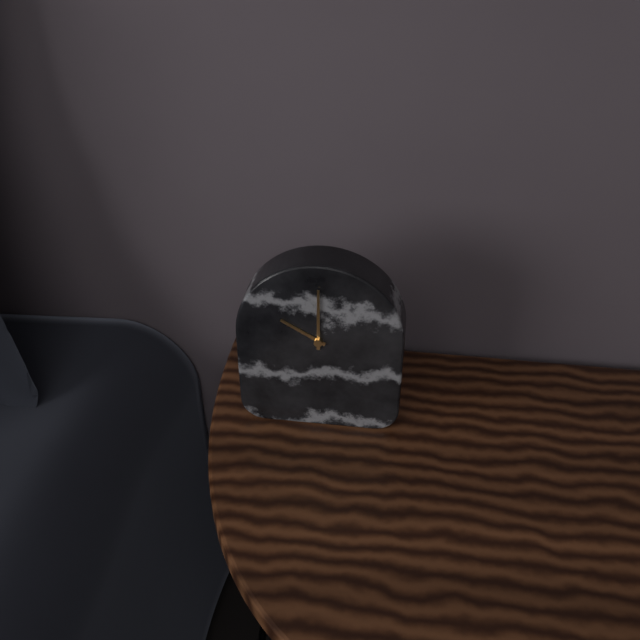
**10:00**
